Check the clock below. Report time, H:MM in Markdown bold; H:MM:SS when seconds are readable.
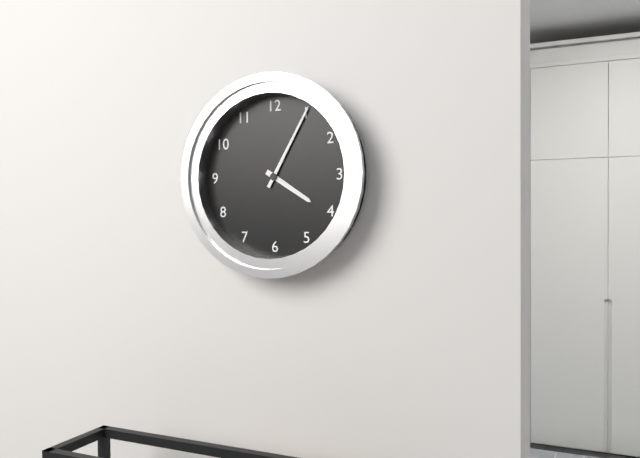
**4:05**
